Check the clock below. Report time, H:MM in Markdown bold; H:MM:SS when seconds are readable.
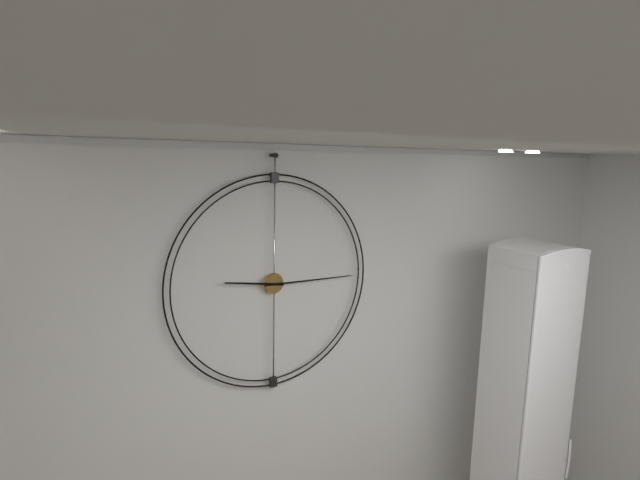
**9:15**
